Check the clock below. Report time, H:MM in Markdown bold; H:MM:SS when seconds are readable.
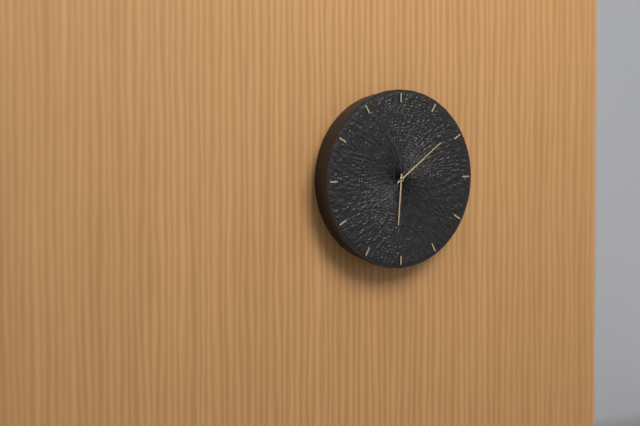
**6:09**
